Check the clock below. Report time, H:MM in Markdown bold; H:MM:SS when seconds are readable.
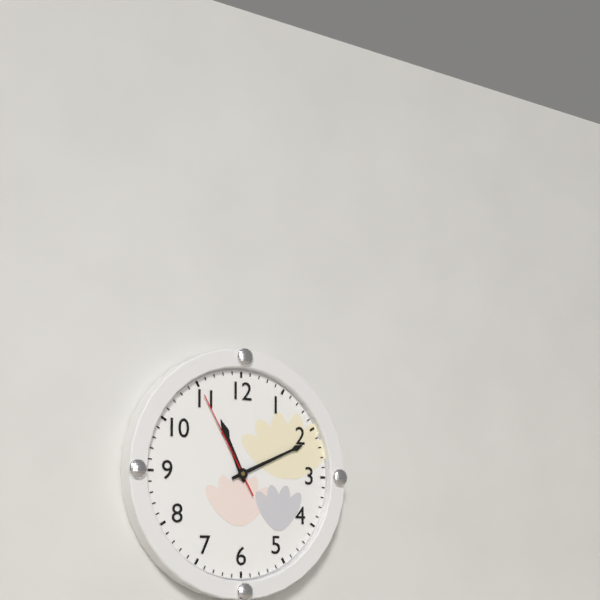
**11:11:55**
